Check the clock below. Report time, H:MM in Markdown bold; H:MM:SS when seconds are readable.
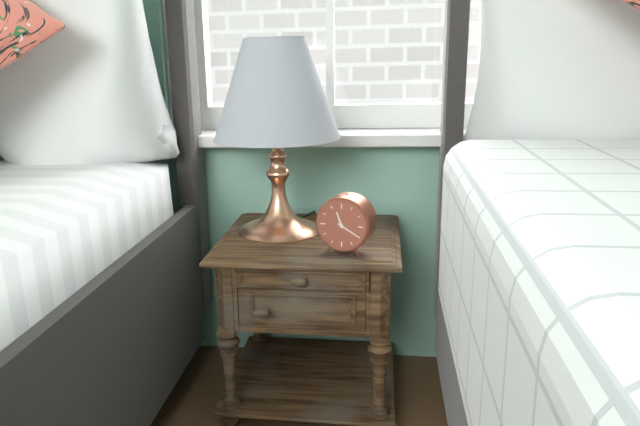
**11:20**
